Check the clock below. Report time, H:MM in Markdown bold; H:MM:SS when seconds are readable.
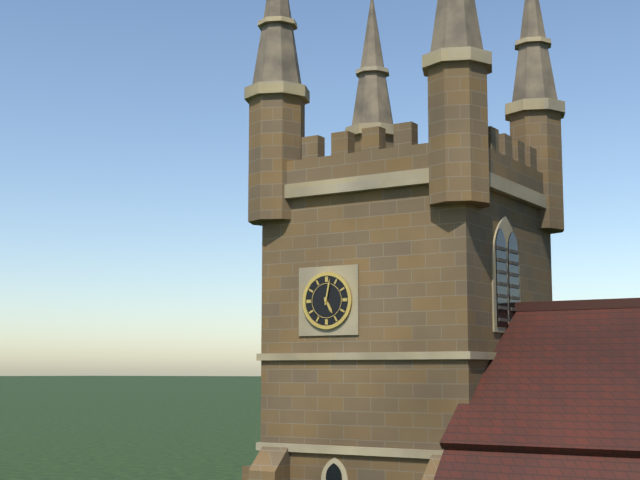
**5:02**
